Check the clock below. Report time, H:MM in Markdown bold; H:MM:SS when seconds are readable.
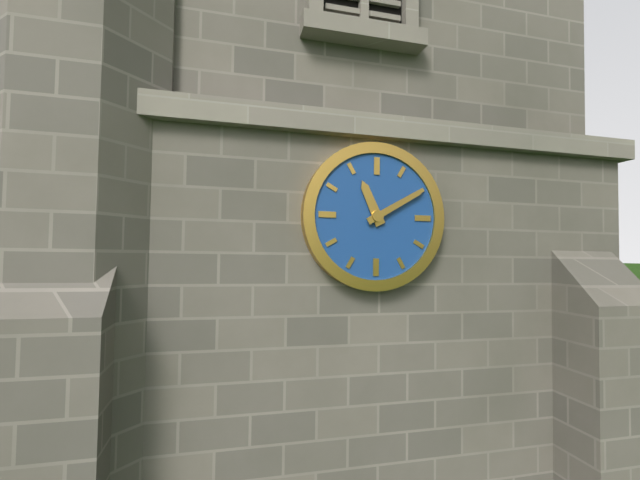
**11:10**
